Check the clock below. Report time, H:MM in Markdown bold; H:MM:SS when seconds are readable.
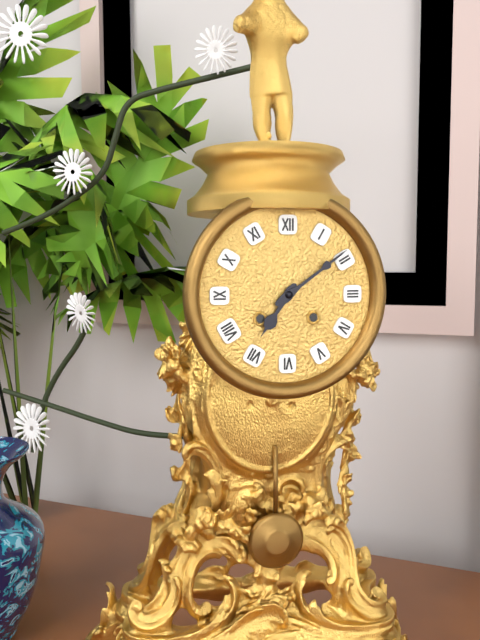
**7:09**
